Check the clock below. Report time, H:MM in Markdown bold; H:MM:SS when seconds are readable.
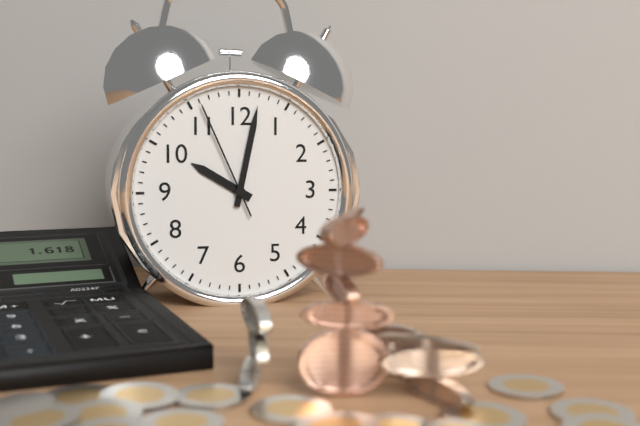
**10:02:56**
